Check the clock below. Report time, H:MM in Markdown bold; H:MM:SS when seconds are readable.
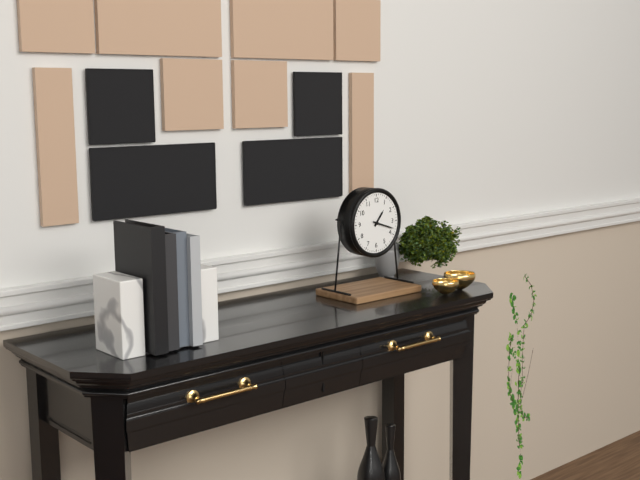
**1:18**
